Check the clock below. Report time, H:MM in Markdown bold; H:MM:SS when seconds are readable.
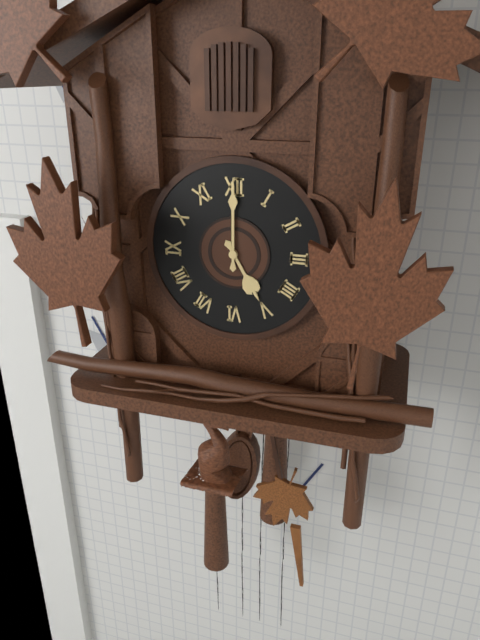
**5:00**
